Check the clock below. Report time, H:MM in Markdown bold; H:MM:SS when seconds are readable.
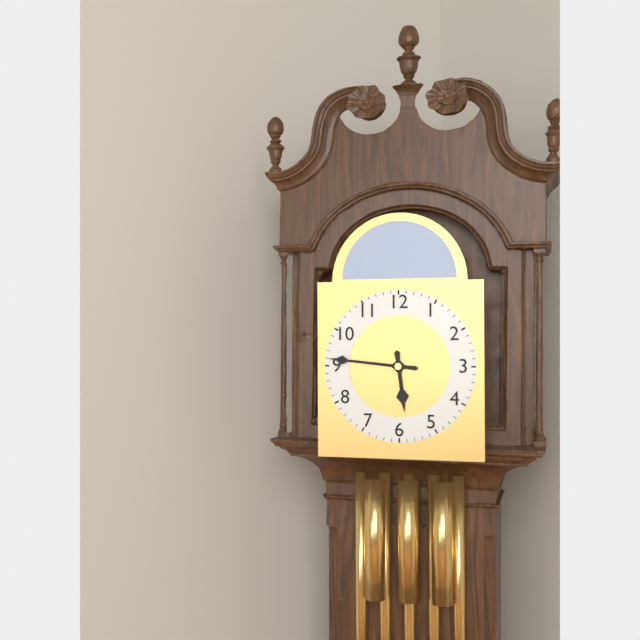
**5:46**
